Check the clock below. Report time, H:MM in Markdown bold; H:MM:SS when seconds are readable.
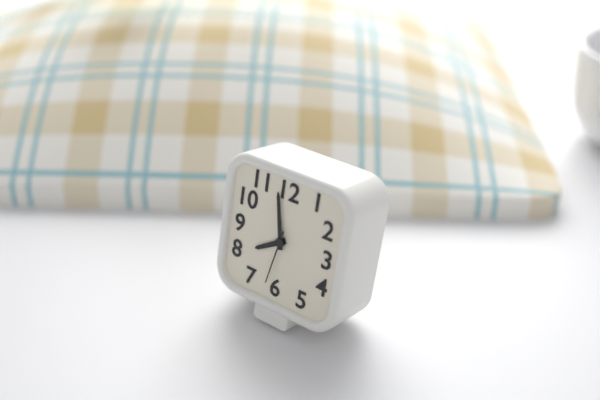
**7:58:32**
